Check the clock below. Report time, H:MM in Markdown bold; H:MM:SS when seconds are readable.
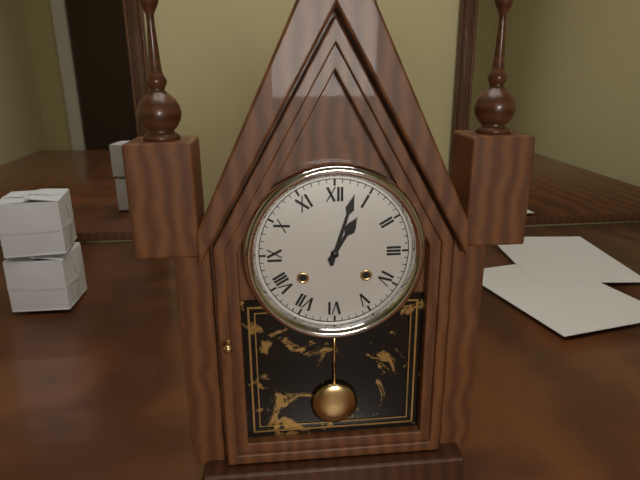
**1:03**
